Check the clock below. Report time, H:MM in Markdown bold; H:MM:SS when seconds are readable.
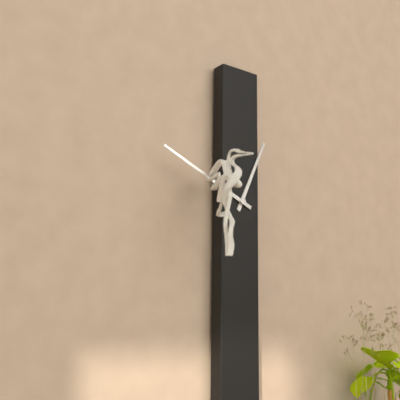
**12:49**
